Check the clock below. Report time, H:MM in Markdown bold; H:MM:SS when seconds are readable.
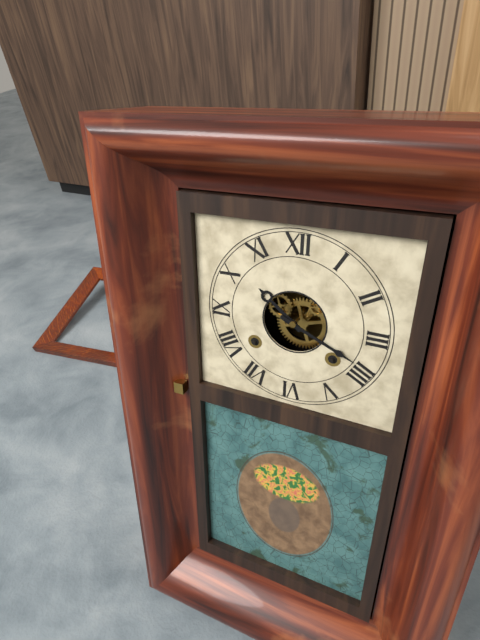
**10:19**
